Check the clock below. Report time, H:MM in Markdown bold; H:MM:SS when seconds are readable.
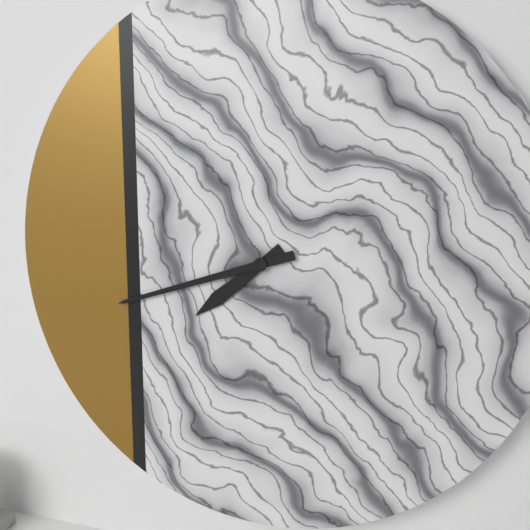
**7:42**
